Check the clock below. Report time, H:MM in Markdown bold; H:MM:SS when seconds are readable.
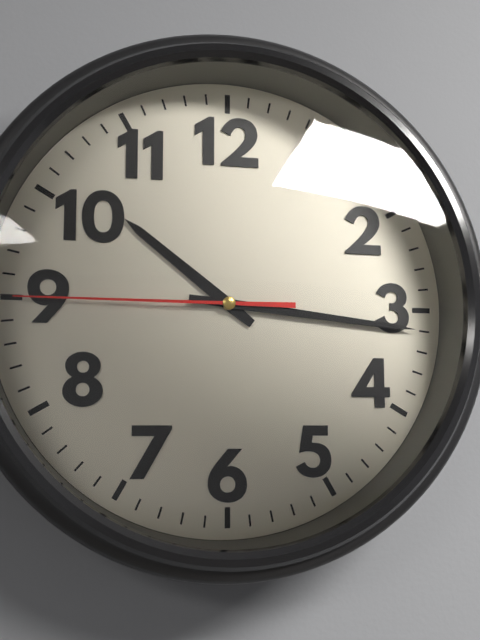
**10:16:45**
